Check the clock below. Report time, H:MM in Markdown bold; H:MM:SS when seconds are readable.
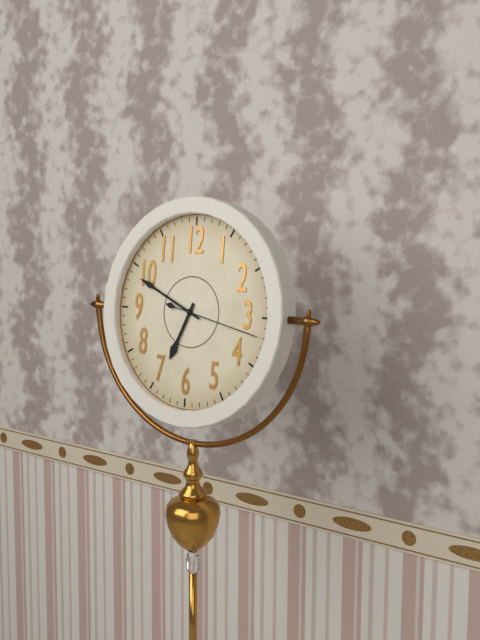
**6:49:17**
